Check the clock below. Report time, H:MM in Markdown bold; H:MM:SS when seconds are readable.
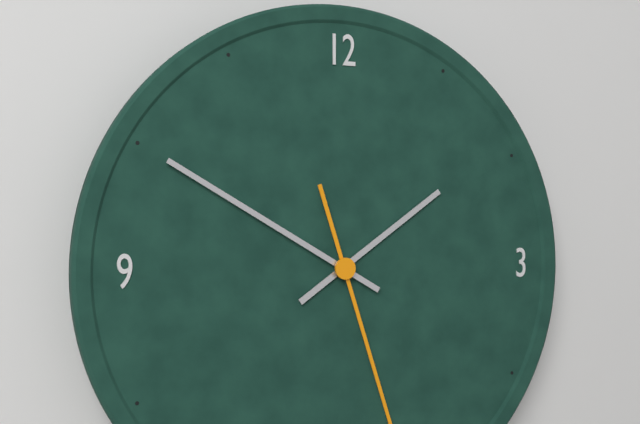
**1:50**
